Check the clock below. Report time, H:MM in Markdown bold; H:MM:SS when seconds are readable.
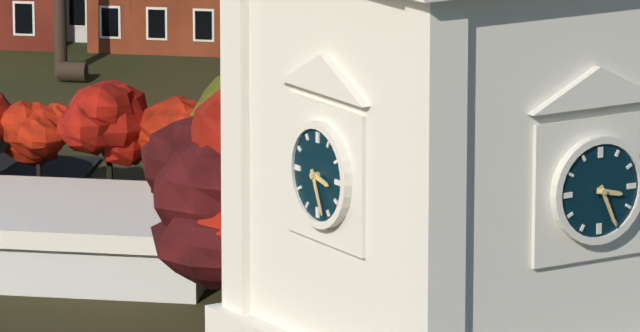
**3:26**
